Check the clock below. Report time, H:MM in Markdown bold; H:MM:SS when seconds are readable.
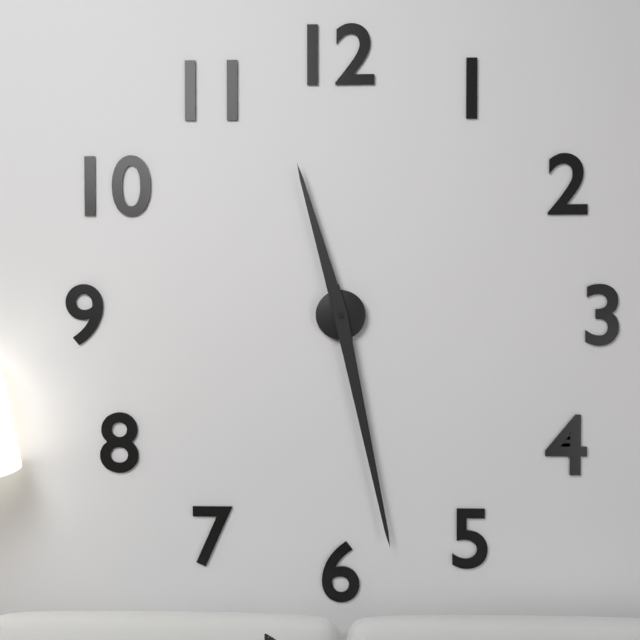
**11:28**
